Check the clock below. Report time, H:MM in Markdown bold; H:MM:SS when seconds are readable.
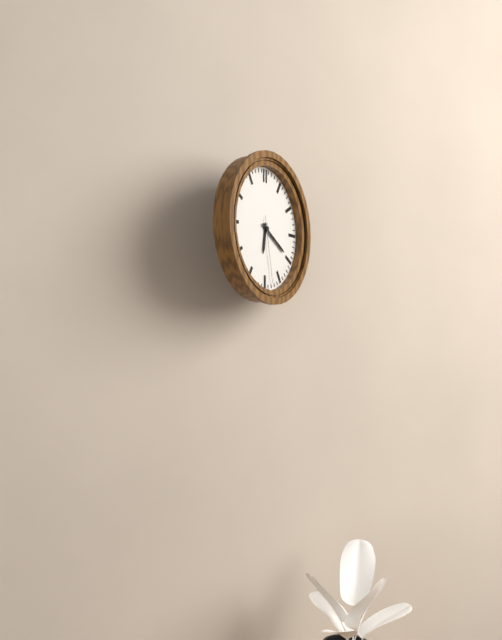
**6:20:28**
